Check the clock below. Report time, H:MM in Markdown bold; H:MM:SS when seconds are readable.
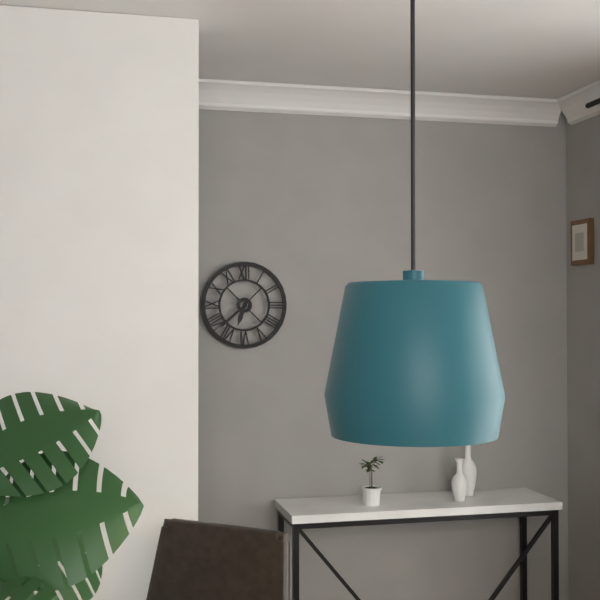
**6:38**
